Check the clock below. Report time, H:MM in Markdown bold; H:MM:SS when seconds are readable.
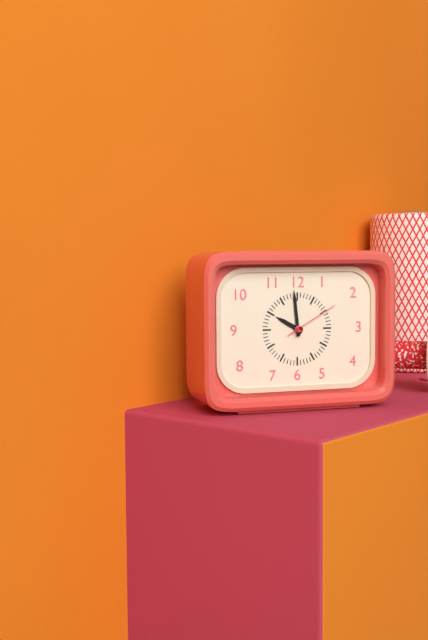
**9:59:10**
